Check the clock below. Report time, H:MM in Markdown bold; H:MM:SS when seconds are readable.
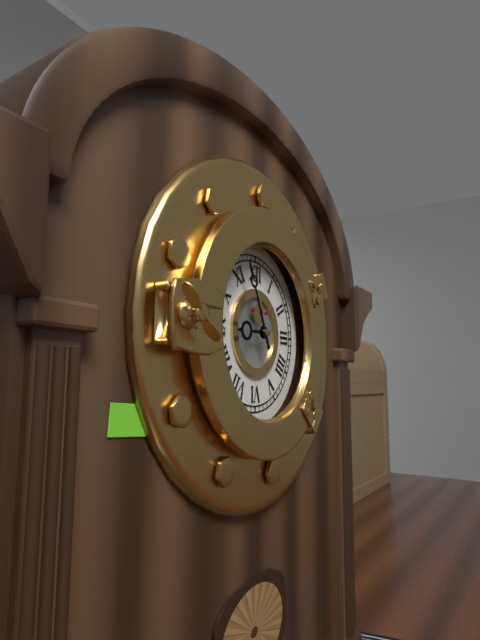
**8:56**
